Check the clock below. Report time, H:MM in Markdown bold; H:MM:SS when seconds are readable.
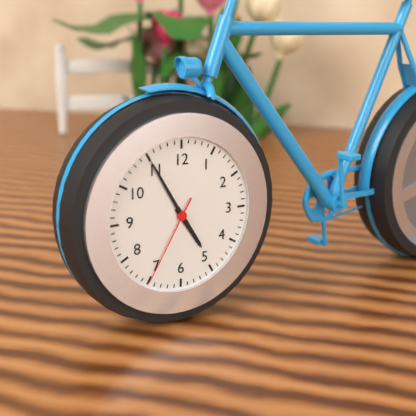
**4:55:35**
